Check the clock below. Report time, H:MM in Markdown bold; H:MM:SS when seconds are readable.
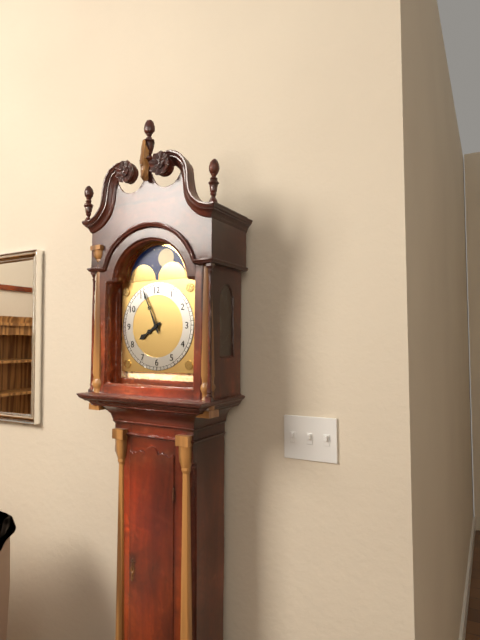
**7:56**
